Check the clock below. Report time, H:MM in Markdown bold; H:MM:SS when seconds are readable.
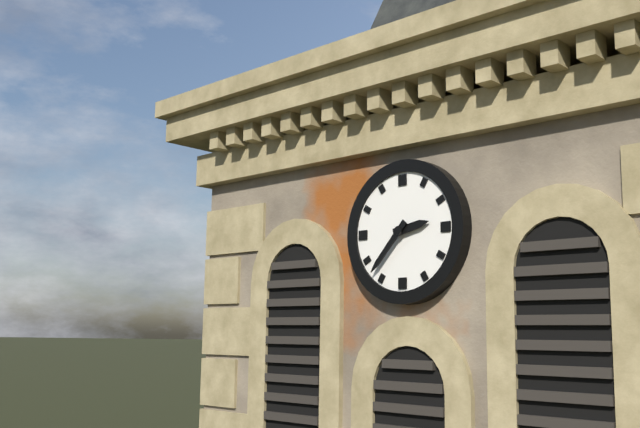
**2:37**
